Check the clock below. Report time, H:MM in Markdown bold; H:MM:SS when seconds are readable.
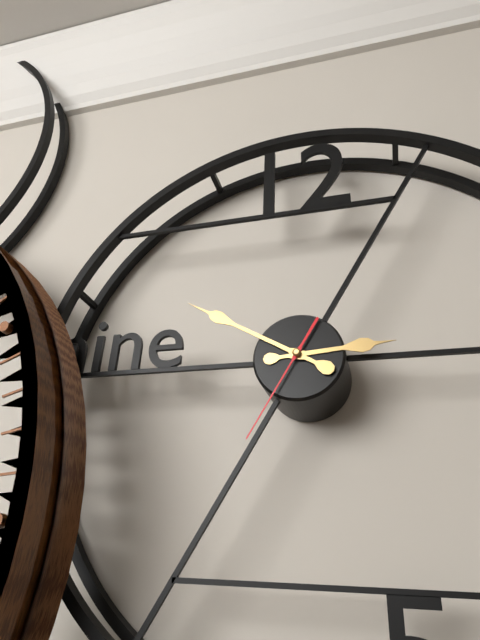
**2:50:35**
